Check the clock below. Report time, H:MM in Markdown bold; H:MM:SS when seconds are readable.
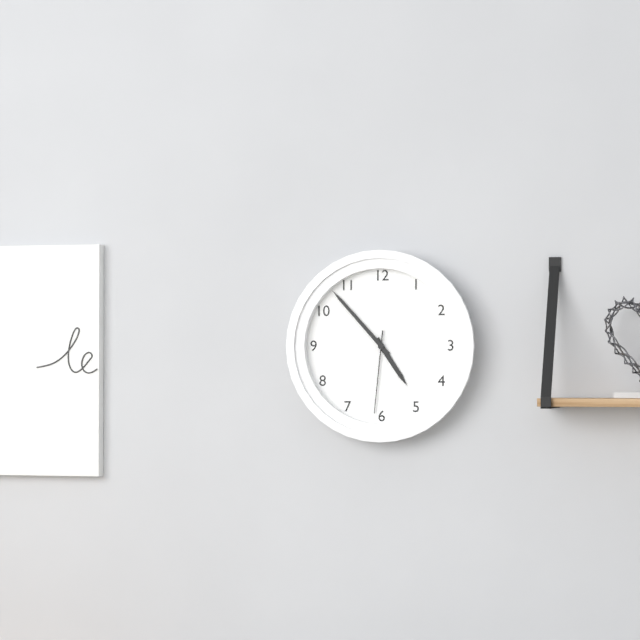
**4:53:31**
